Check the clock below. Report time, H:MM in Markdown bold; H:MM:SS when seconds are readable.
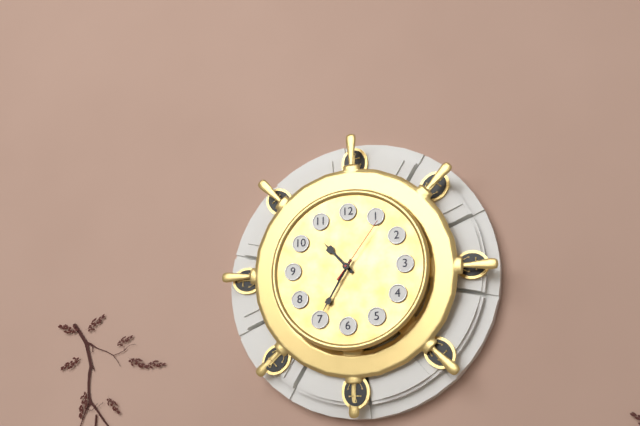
**10:35:06**
